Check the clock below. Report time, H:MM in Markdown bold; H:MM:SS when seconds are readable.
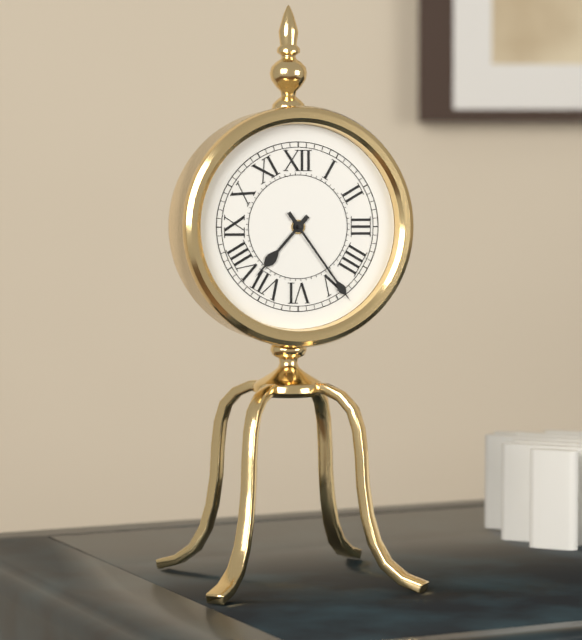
**7:24**
